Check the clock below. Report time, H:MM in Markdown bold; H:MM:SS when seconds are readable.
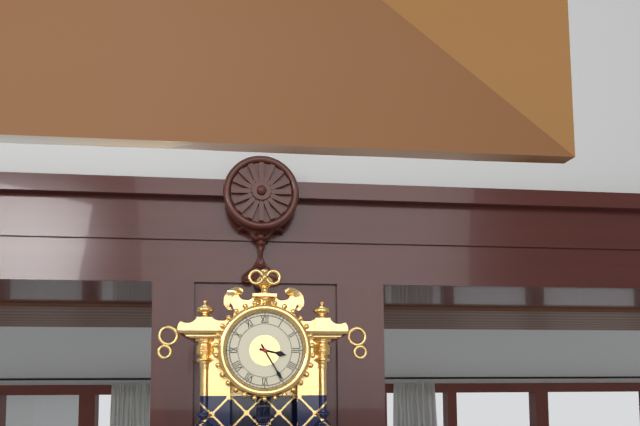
**3:25**
